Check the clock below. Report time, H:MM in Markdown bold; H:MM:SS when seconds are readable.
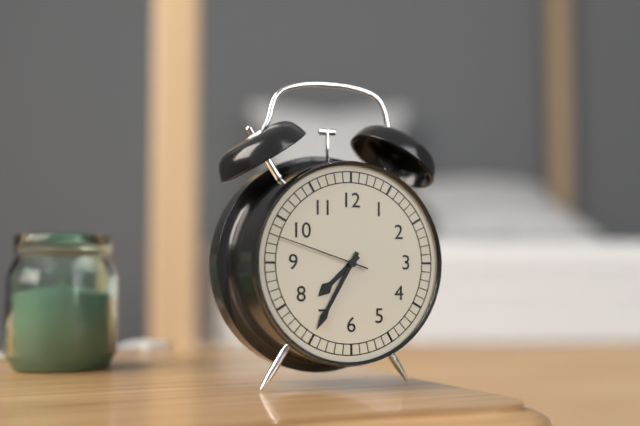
**7:35:48**
